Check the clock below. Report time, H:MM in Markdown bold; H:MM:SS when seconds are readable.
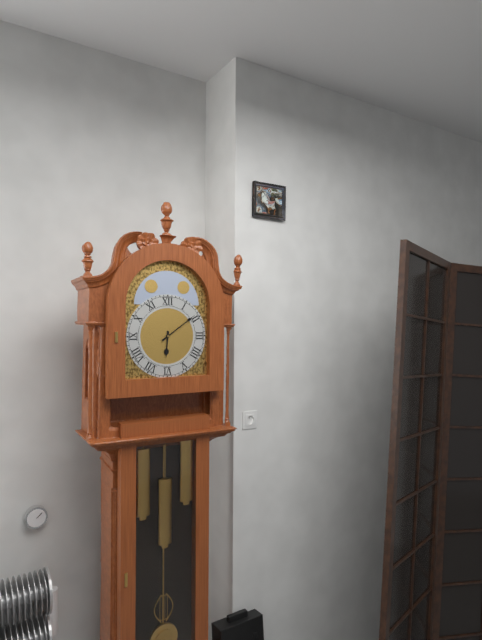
**6:09**
